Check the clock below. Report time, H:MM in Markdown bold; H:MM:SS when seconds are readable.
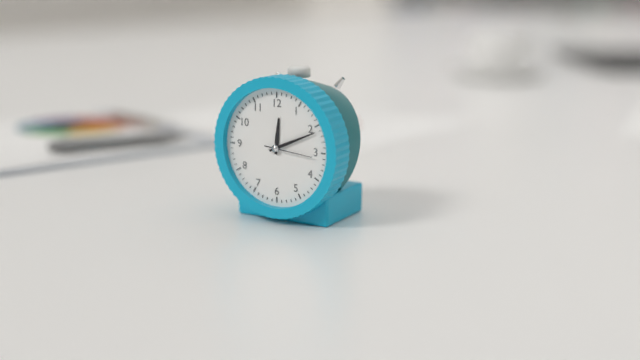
**12:11**
